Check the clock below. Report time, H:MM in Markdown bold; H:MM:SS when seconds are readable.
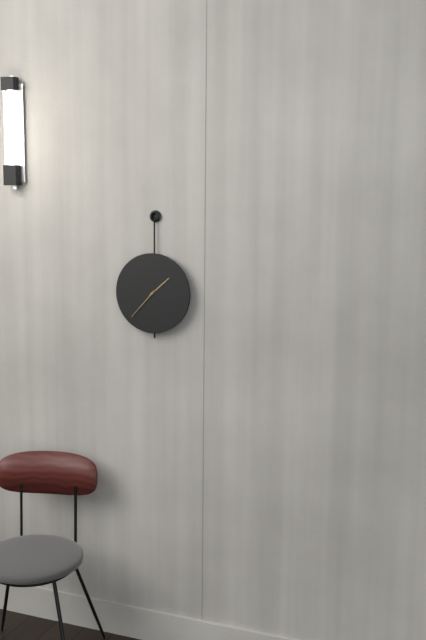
**1:37**
